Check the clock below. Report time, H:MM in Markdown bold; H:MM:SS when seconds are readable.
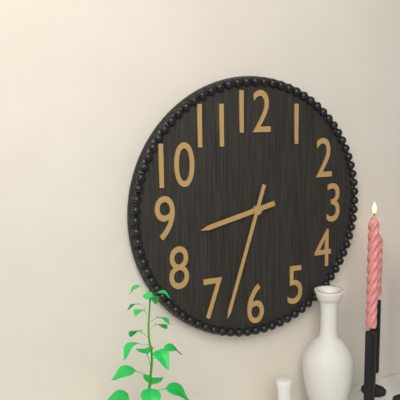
**8:33**
